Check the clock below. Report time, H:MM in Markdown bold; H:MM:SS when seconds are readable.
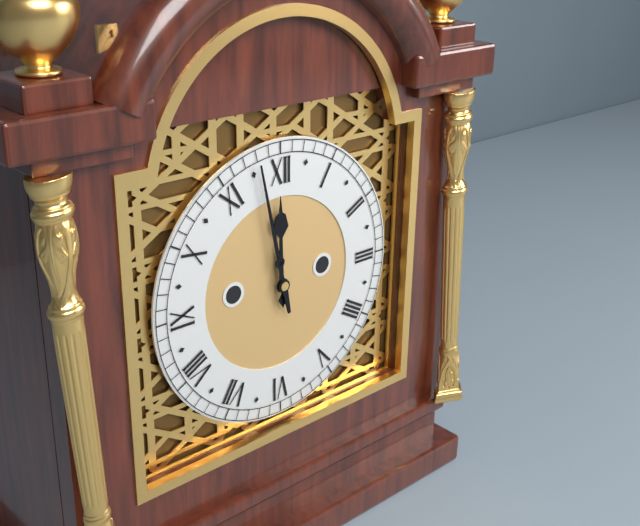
**11:58**
